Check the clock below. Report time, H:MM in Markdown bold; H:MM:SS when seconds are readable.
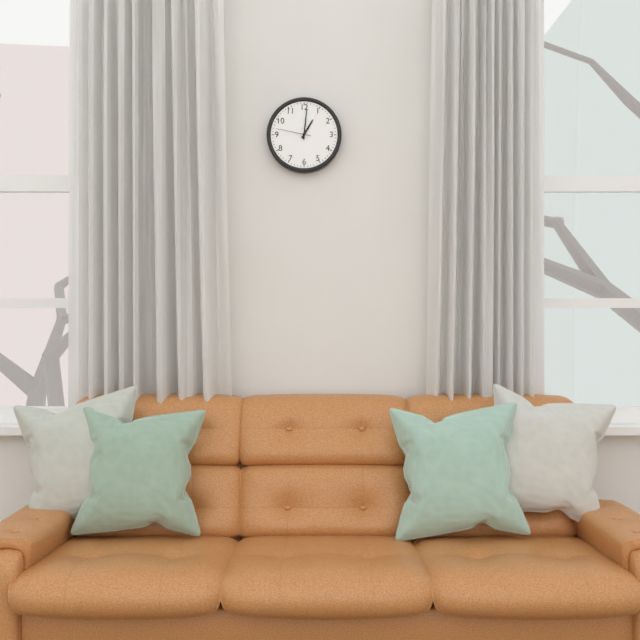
**1:01**
